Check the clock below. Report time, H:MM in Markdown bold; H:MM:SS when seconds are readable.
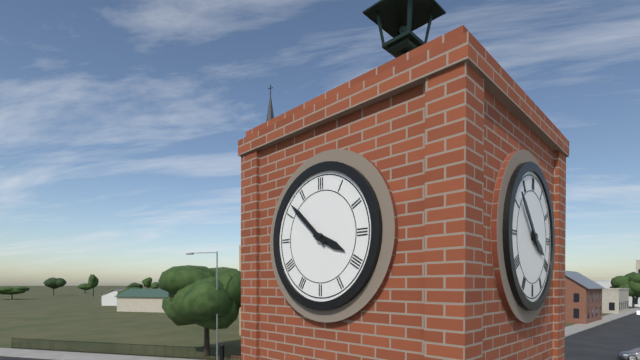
**3:52**
